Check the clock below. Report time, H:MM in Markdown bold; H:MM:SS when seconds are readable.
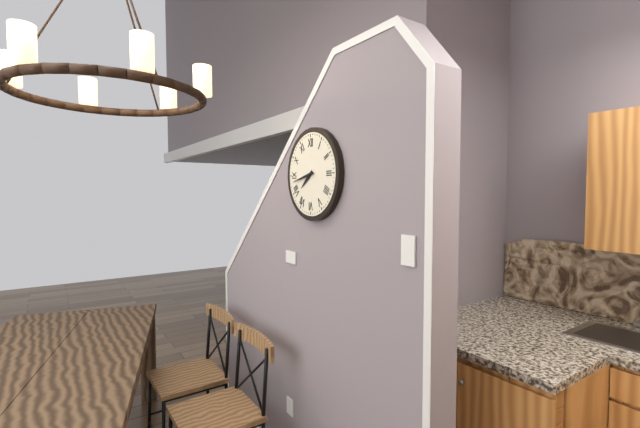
**7:43**
